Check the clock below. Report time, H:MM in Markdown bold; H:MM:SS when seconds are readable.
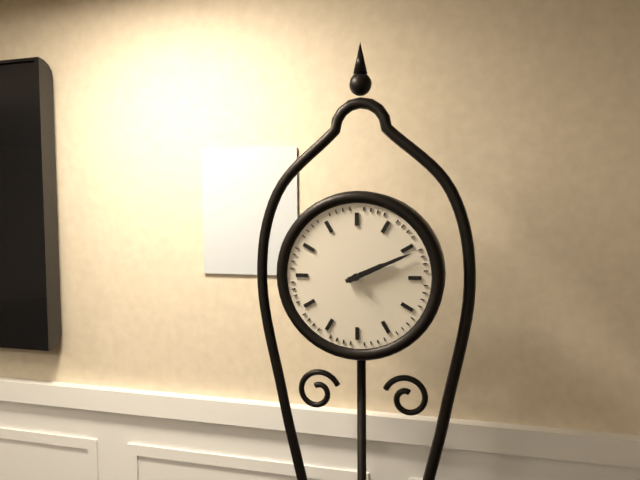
**2:11**
